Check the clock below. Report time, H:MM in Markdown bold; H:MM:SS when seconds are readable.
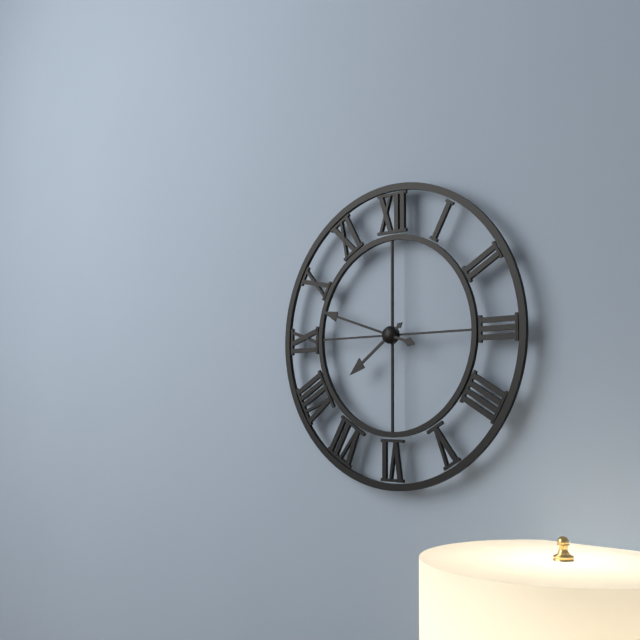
**7:48**
